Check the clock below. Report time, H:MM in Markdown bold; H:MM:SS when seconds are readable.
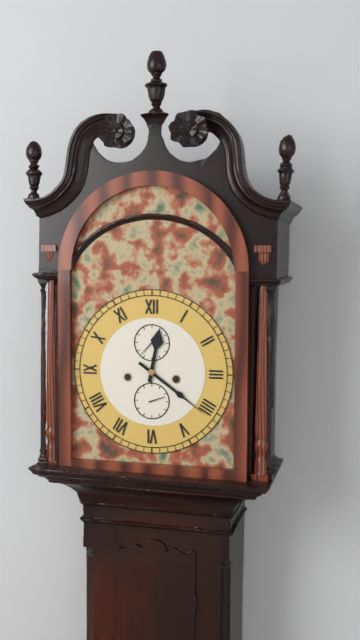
**12:21**
